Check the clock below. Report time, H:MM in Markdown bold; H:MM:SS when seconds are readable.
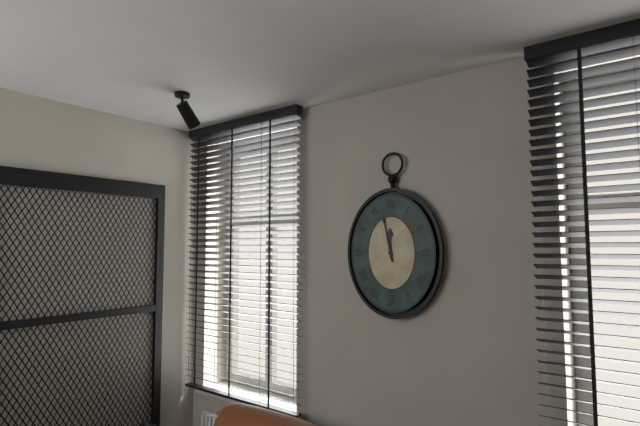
**11:58**
